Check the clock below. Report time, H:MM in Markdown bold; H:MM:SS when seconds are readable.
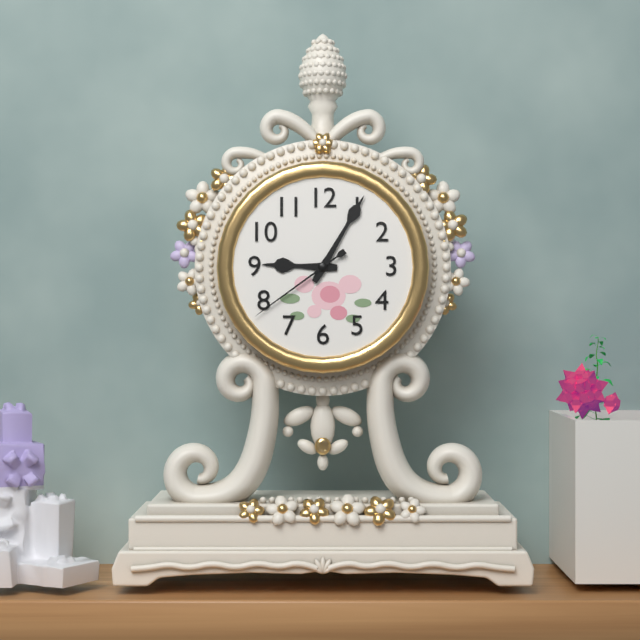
**9:05:39**
